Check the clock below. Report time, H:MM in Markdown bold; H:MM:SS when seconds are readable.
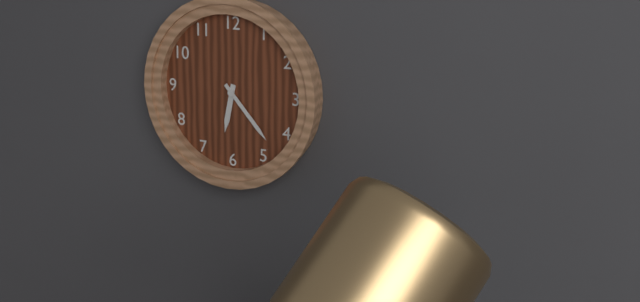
**6:23**
